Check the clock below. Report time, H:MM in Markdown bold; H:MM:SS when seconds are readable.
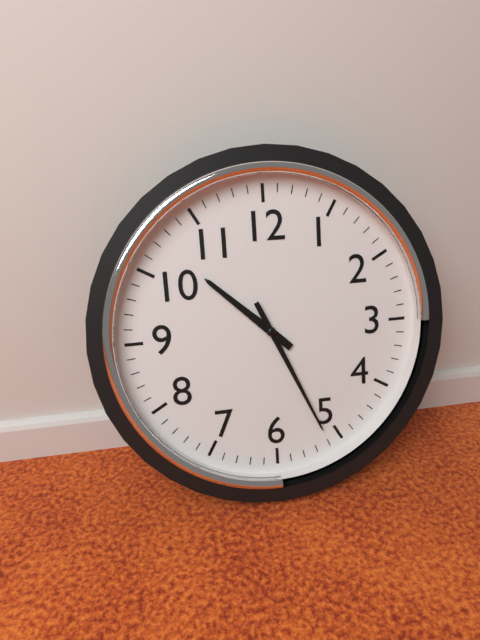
**10:26**
